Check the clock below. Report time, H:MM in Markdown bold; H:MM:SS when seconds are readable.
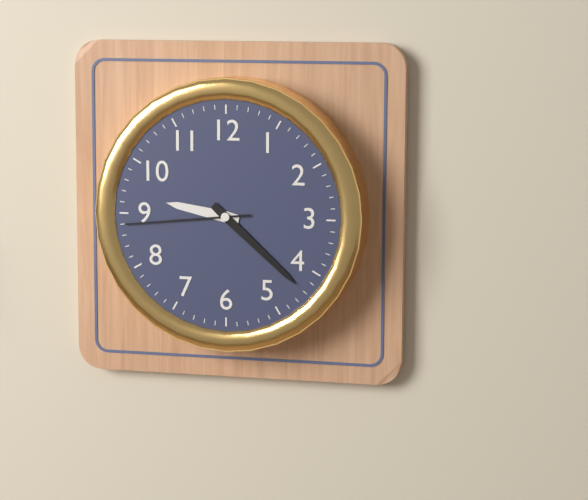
**9:22:44**
